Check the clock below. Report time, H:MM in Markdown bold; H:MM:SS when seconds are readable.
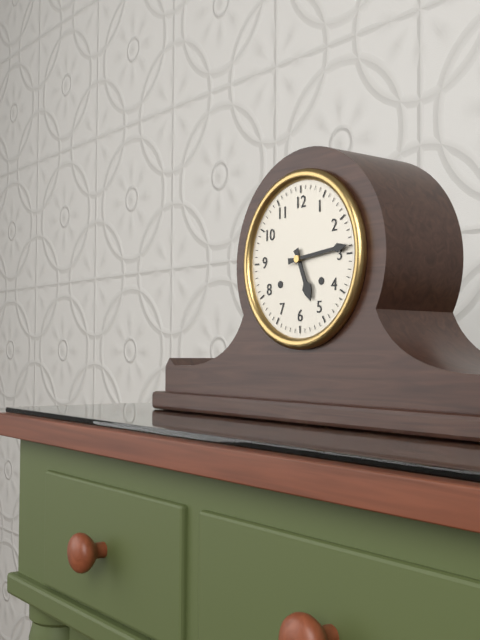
**5:14**
